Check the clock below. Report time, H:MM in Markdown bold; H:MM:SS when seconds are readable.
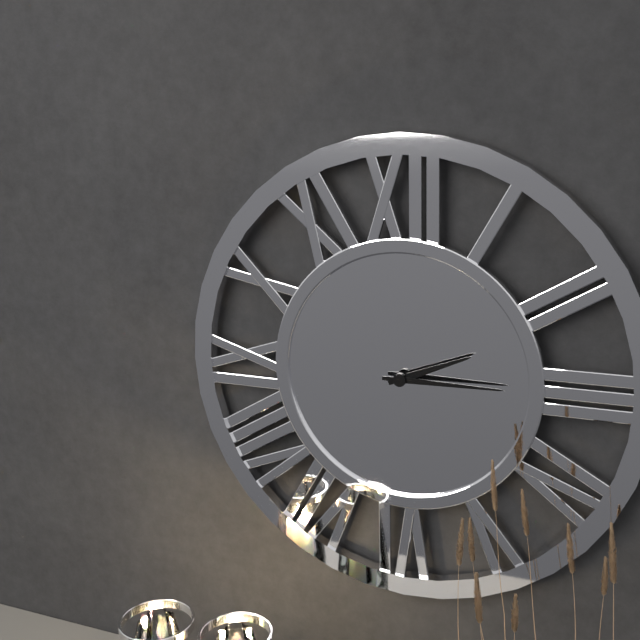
**2:15**
